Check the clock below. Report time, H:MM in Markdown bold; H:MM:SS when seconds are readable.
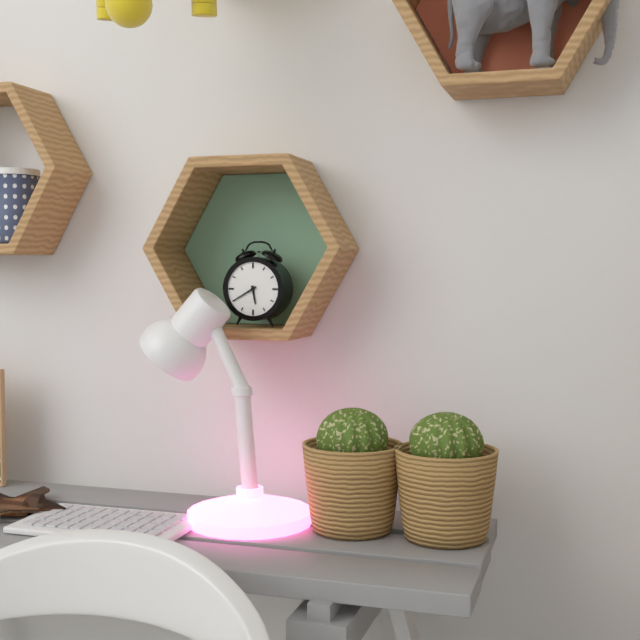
**5:40**
